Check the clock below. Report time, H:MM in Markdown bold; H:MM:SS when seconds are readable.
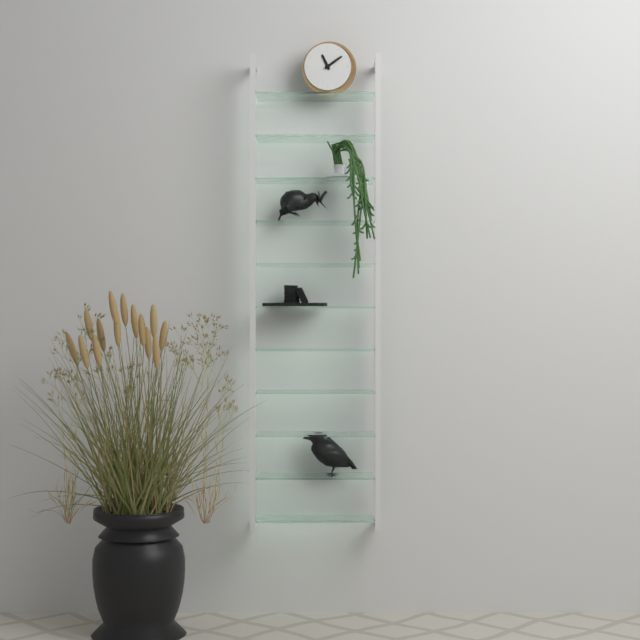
**11:09**
